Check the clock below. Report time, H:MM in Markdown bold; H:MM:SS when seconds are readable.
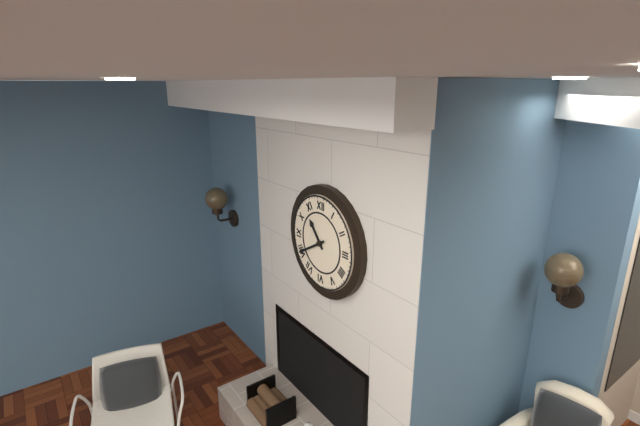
**10:40**
